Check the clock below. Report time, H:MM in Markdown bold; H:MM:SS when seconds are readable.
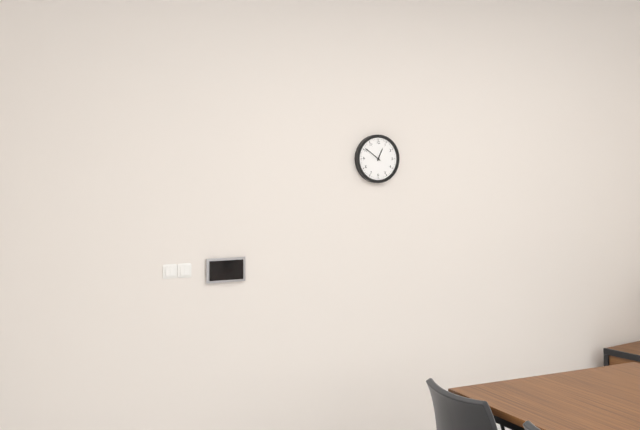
**12:51**
